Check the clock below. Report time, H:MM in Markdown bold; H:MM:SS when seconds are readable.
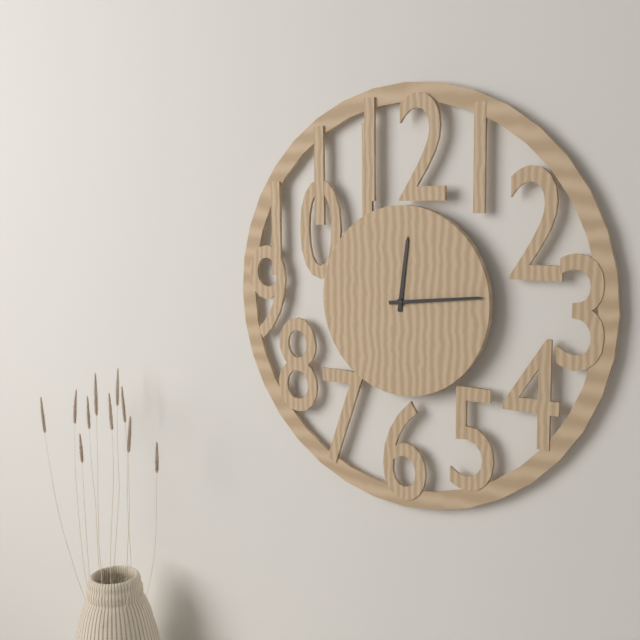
**12:14**
